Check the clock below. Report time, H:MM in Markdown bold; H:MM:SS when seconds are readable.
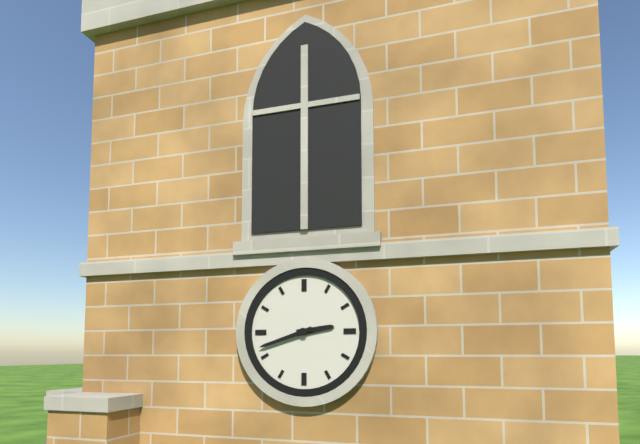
**2:42**
